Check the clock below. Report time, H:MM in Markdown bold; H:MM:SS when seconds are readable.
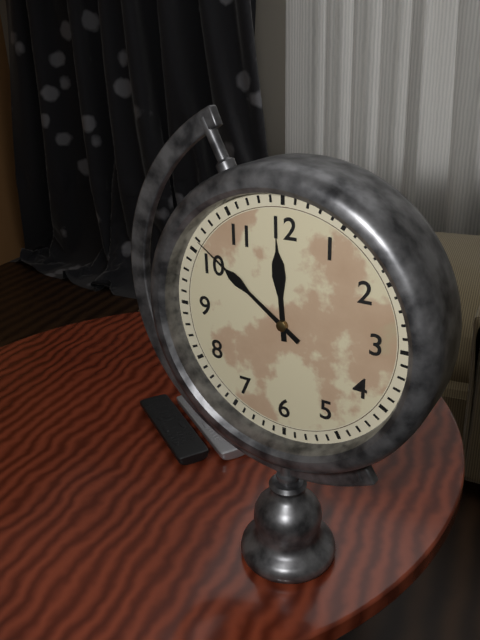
**11:51**
